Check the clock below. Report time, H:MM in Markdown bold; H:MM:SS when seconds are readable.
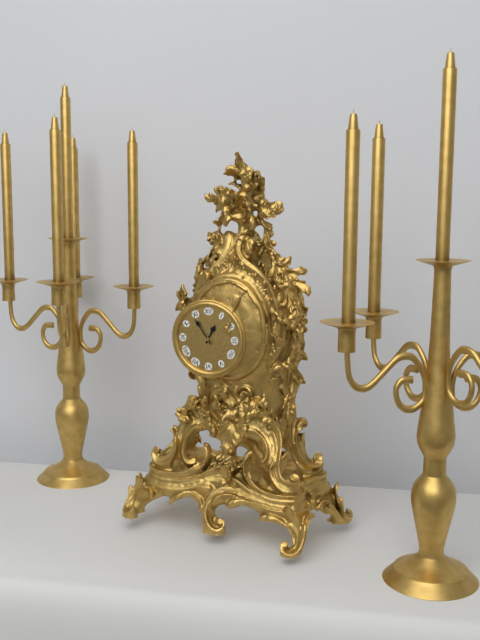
**12:54**
